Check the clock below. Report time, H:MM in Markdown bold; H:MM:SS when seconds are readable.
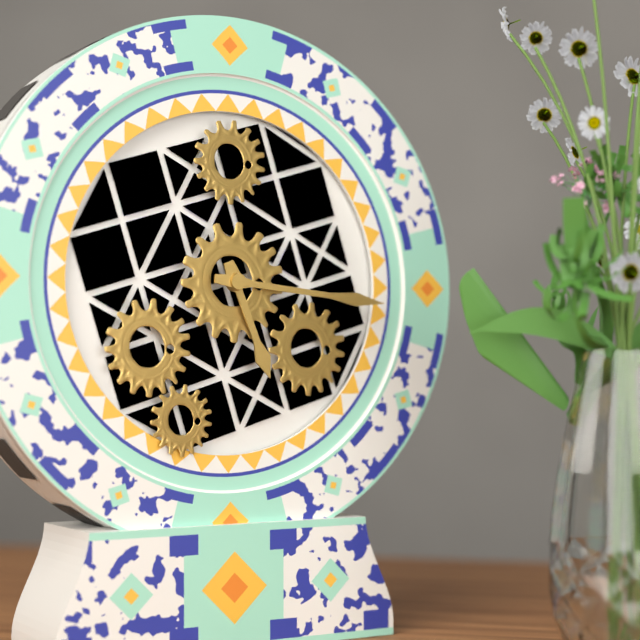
**5:16**
